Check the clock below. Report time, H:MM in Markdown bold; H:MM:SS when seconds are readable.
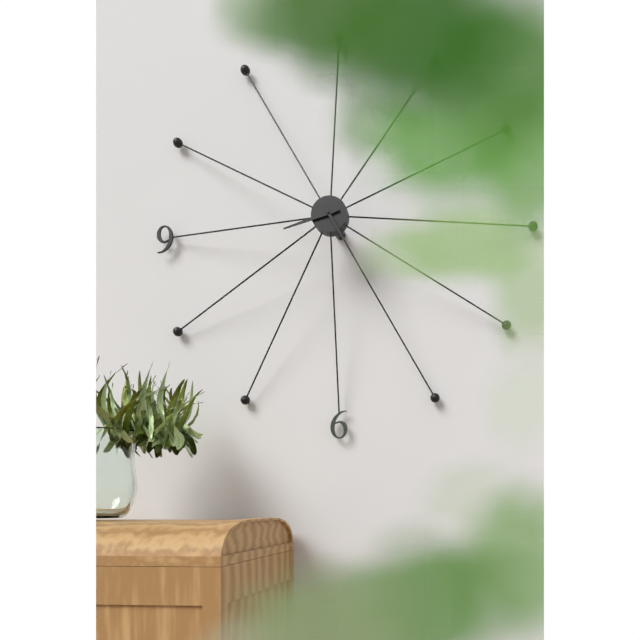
**8:25**
